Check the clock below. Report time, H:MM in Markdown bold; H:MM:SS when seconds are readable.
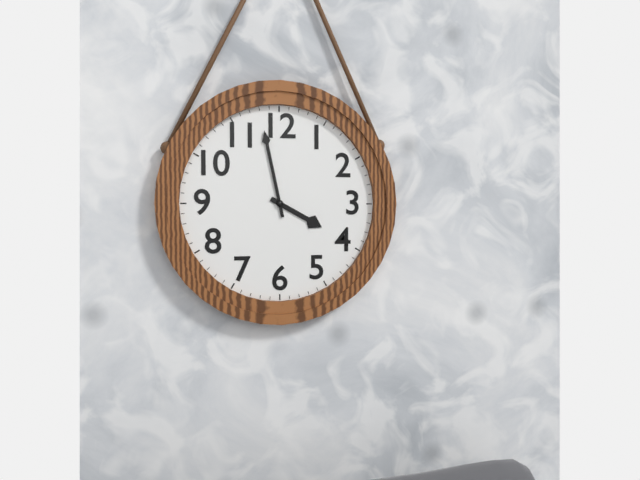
**3:58**
